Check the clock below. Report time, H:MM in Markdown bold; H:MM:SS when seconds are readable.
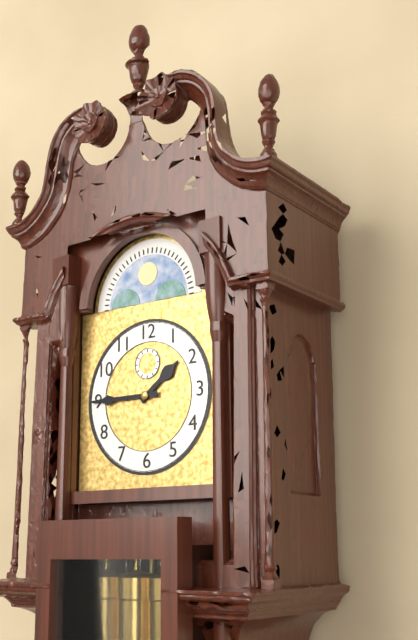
**1:45**
